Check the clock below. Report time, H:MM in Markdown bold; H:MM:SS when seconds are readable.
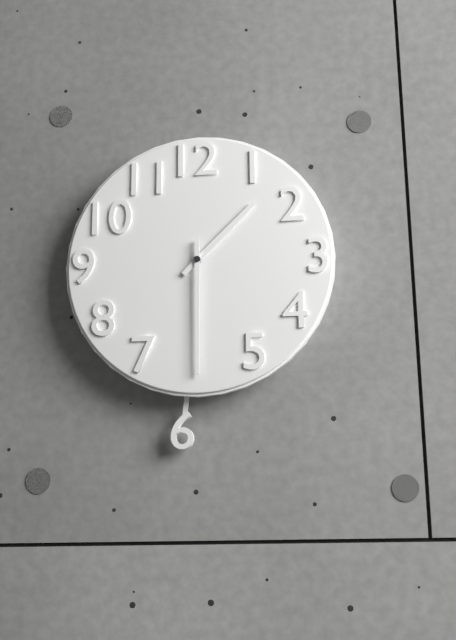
**1:30**
